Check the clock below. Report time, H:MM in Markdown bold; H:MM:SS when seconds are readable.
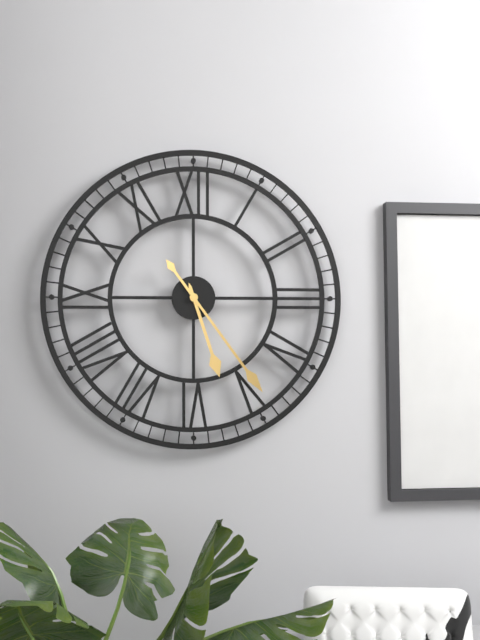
**5:24**
